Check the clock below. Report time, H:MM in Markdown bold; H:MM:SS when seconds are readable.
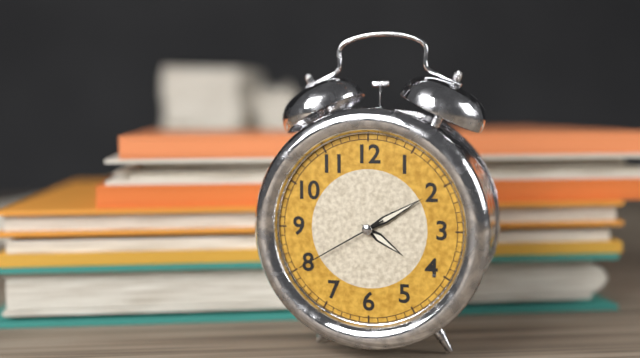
**4:10:40**
